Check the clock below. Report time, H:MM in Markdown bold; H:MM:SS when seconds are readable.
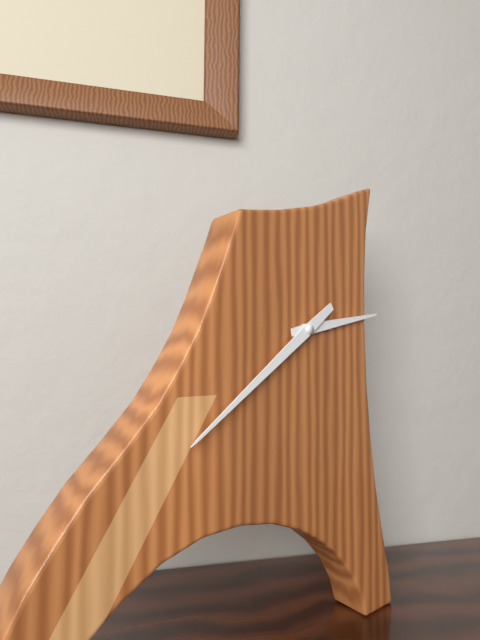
**2:39**
